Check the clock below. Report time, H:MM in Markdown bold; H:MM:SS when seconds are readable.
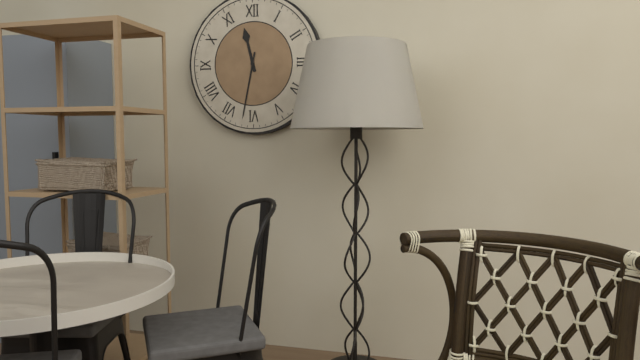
**11:32**
